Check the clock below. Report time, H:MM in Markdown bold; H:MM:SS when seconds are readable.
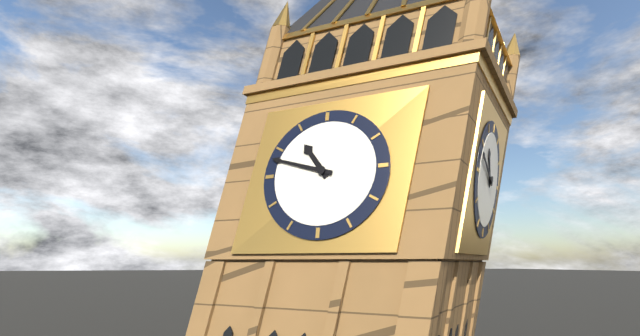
**10:48**
